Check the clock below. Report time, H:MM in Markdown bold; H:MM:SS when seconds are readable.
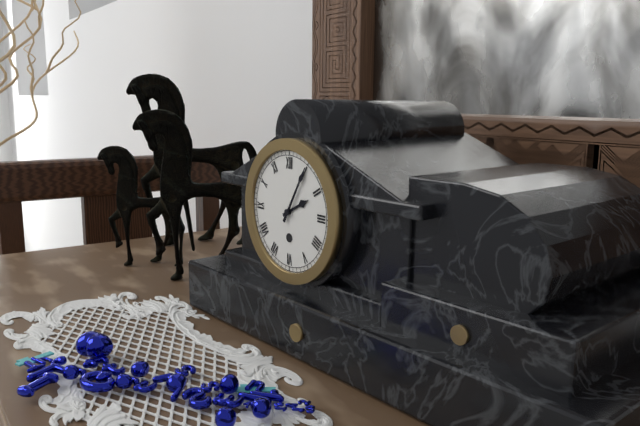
**2:05**
